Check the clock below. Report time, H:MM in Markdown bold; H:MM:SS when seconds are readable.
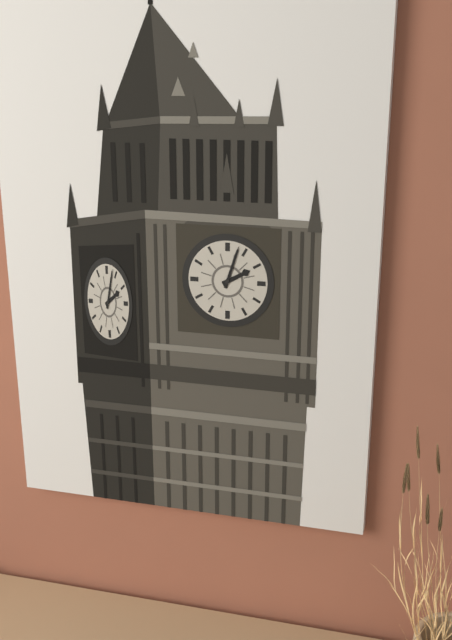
**2:03**
